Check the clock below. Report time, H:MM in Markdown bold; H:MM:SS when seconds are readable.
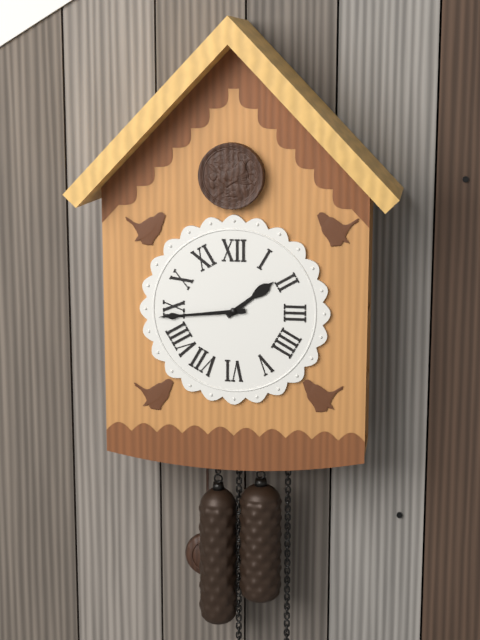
**1:44**
